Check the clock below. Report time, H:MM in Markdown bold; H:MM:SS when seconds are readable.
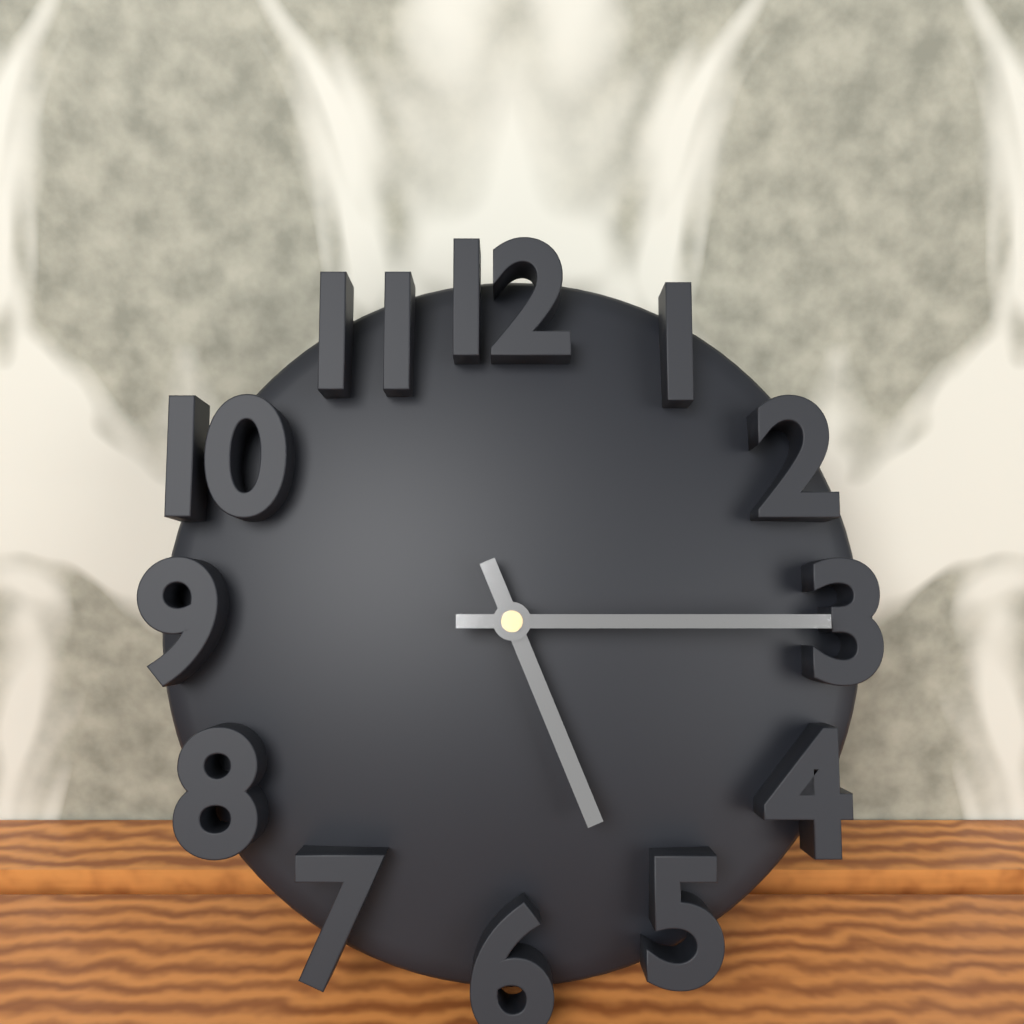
**5:15**
